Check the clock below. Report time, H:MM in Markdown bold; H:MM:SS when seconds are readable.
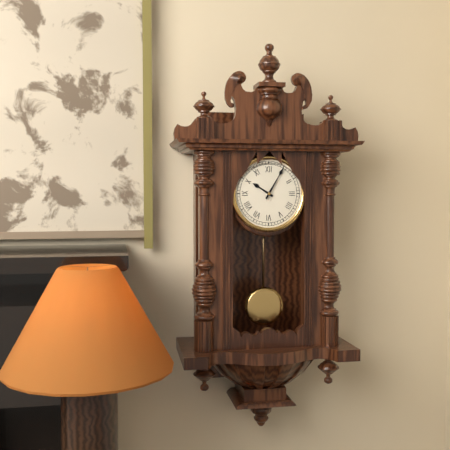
**10:05**
